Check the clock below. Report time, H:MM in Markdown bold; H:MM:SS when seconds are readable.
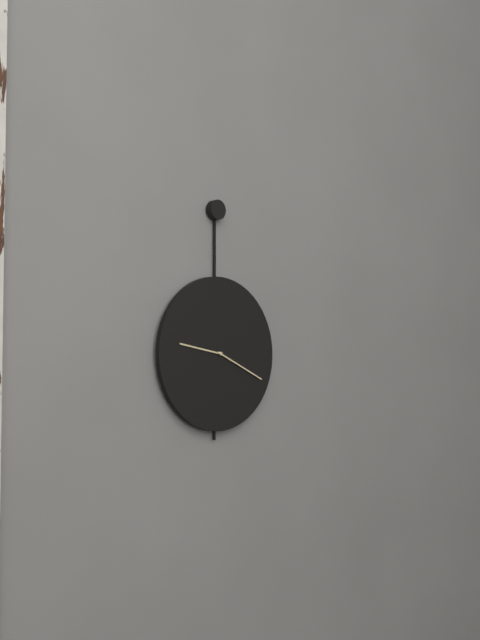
**9:19**
